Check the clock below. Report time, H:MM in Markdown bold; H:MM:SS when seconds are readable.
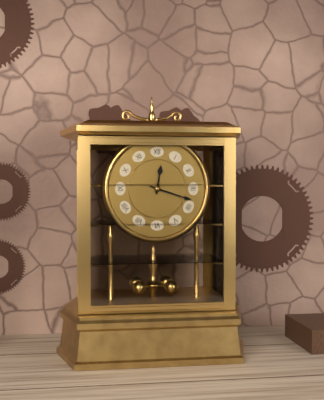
**12:18**
